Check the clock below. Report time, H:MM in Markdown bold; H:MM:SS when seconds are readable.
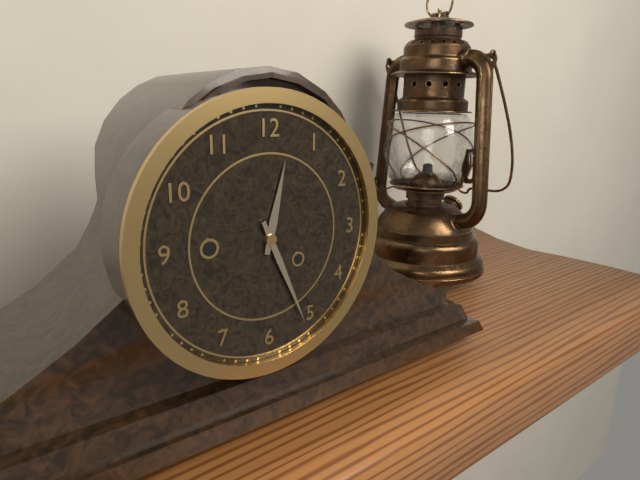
**12:26**
